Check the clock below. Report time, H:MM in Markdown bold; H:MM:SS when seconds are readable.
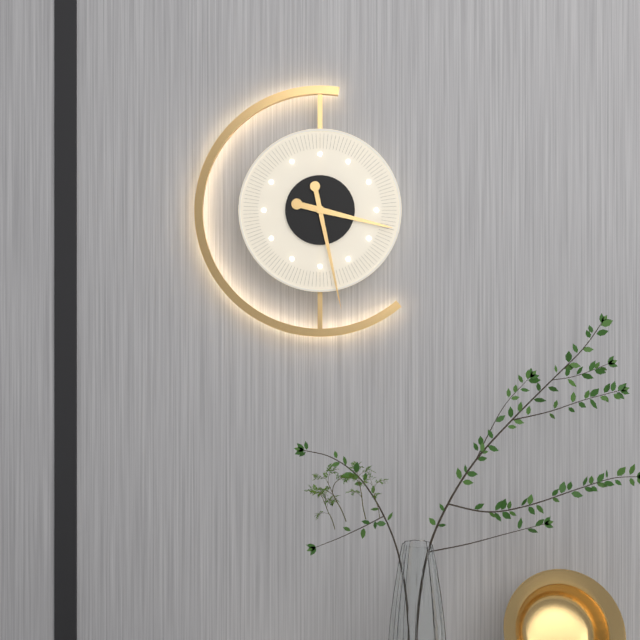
**3:28**
